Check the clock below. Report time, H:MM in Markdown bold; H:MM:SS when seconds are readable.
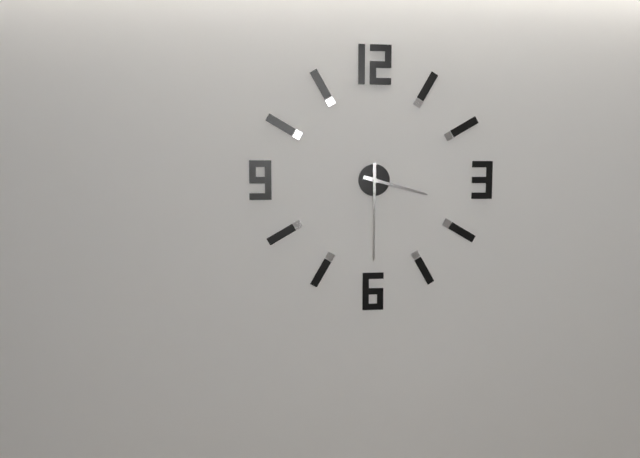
**3:30**
